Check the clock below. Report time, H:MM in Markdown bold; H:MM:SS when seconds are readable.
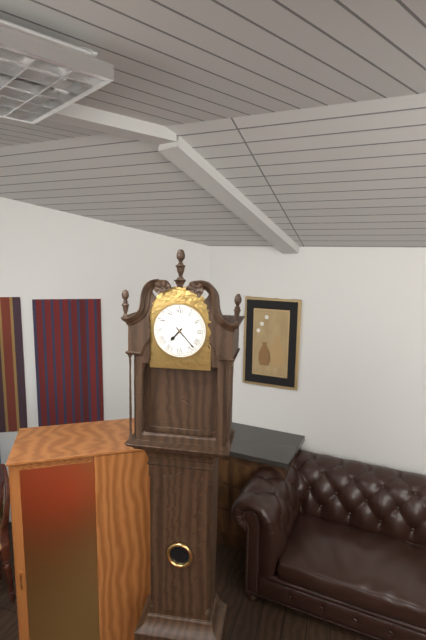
**7:23**
